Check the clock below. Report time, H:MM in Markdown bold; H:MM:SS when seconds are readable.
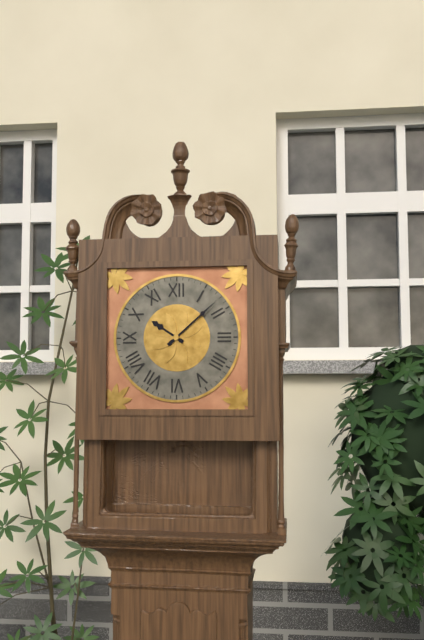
**10:08**
